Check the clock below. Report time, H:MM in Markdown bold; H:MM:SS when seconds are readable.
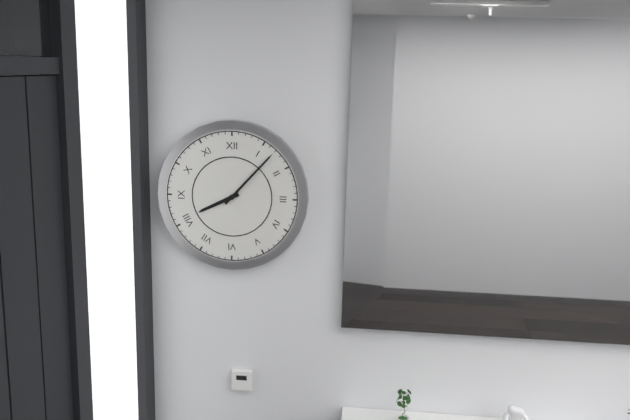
**8:07**
